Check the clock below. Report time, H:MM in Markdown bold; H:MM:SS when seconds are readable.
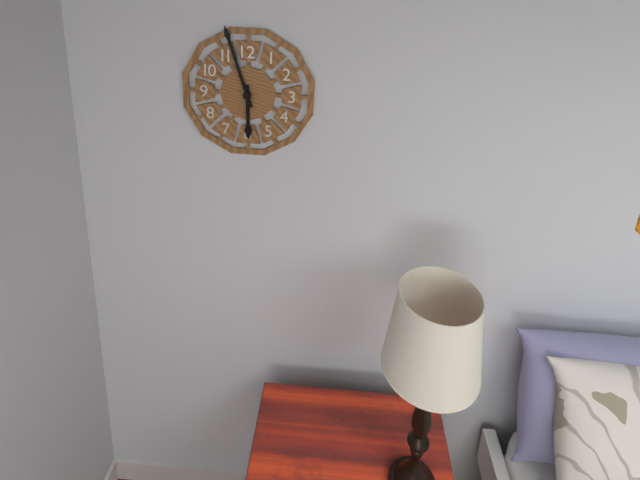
**5:57**
